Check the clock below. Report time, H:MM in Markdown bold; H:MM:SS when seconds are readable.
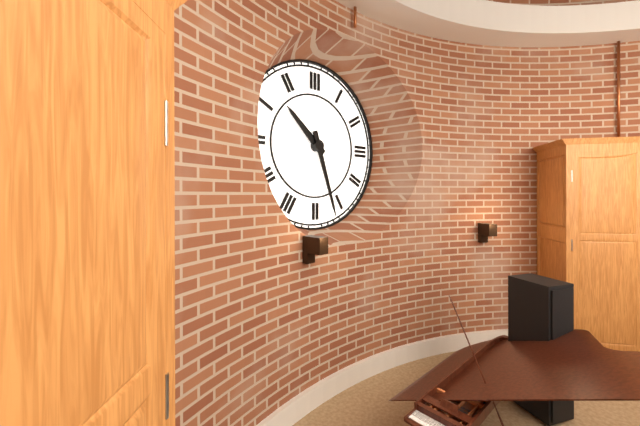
**10:27**
